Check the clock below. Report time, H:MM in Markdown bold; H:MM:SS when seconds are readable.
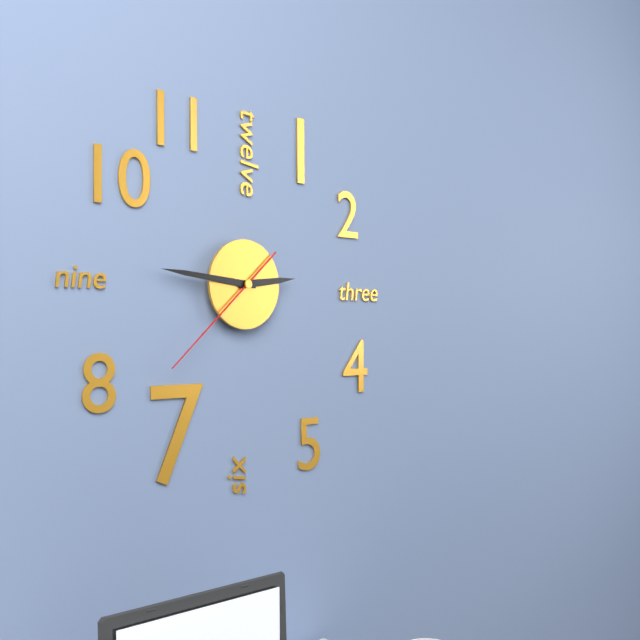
**2:46:38**
